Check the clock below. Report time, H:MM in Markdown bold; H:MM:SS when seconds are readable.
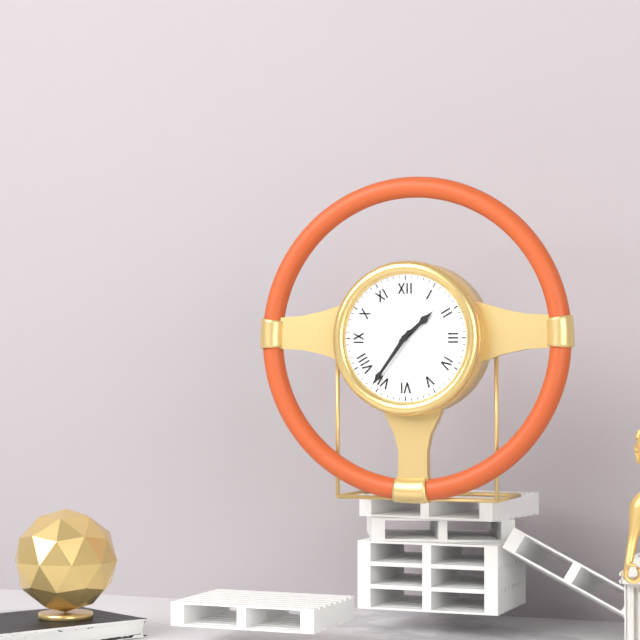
**1:36**
